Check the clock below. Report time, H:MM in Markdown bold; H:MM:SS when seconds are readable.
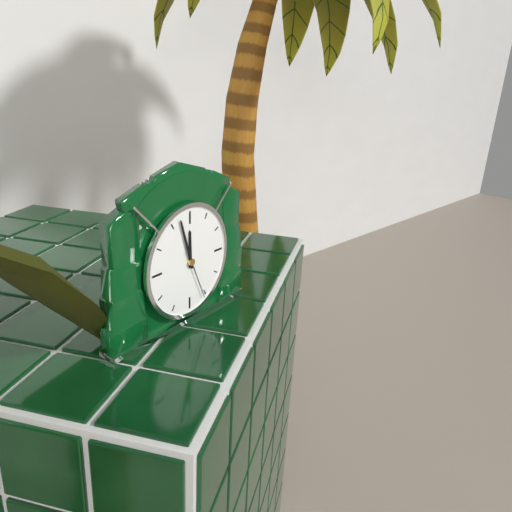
**11:57:26**
